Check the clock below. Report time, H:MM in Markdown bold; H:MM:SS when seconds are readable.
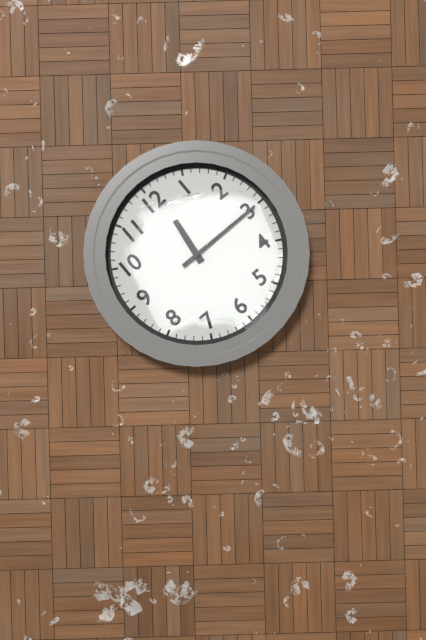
**12:15**
